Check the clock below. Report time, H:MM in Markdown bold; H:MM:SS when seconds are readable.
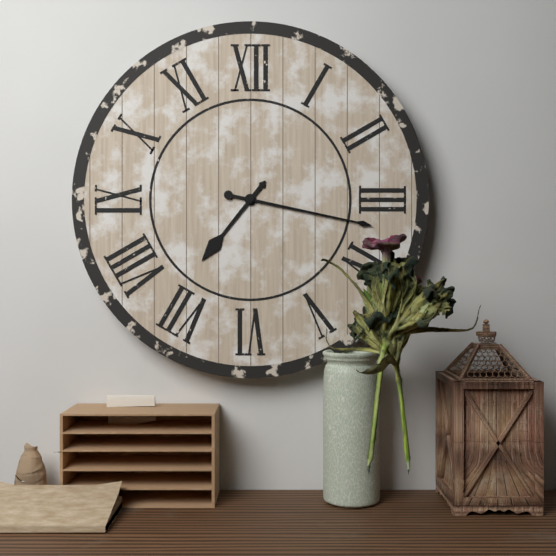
**7:17**
